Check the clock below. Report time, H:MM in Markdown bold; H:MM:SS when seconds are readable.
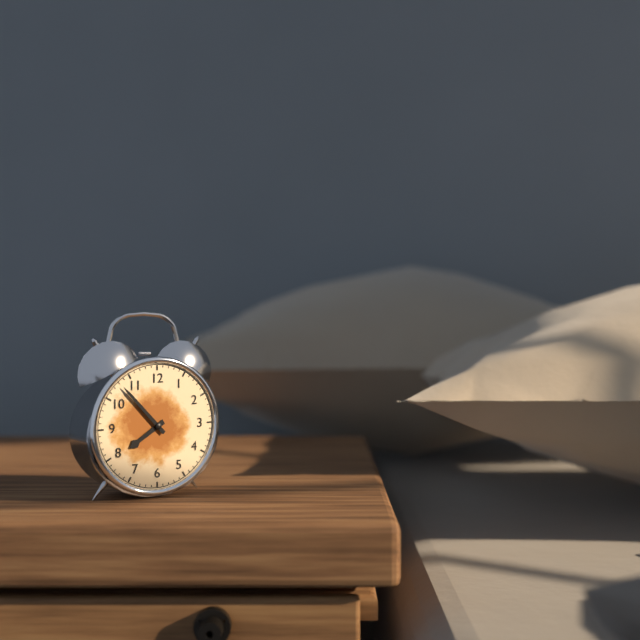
**7:53**
